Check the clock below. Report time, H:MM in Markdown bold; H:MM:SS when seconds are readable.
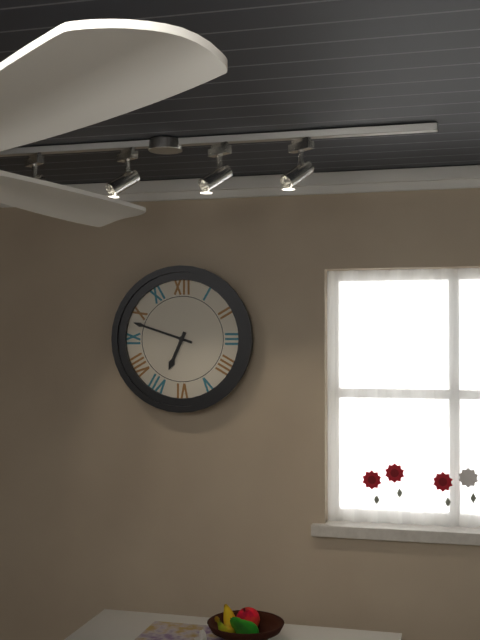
**6:48**
